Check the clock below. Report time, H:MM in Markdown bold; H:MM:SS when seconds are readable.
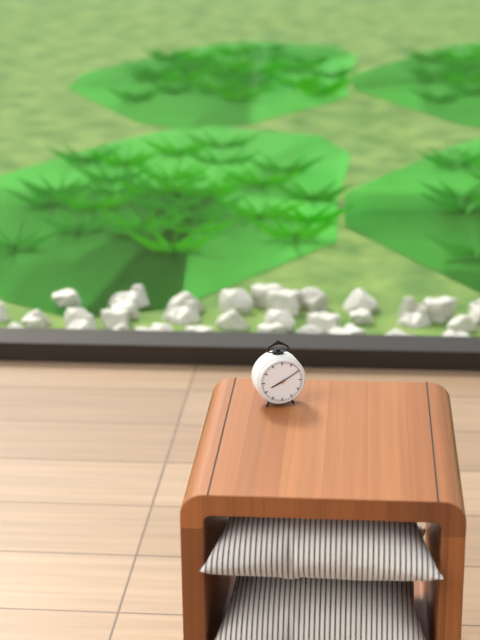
**8:10**
